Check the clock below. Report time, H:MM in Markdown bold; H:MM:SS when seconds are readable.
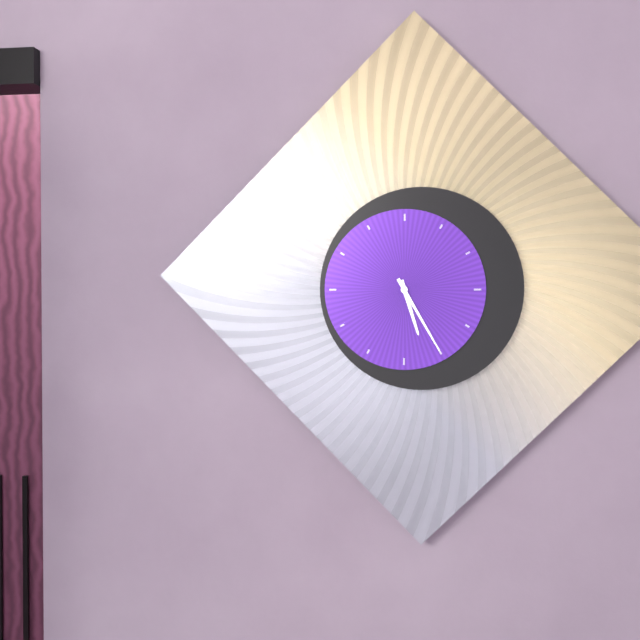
**5:25**
